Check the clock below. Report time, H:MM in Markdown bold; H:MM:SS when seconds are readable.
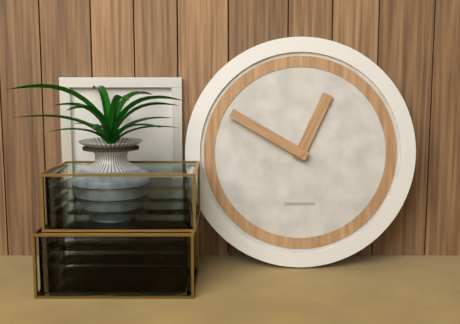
**12:50**
